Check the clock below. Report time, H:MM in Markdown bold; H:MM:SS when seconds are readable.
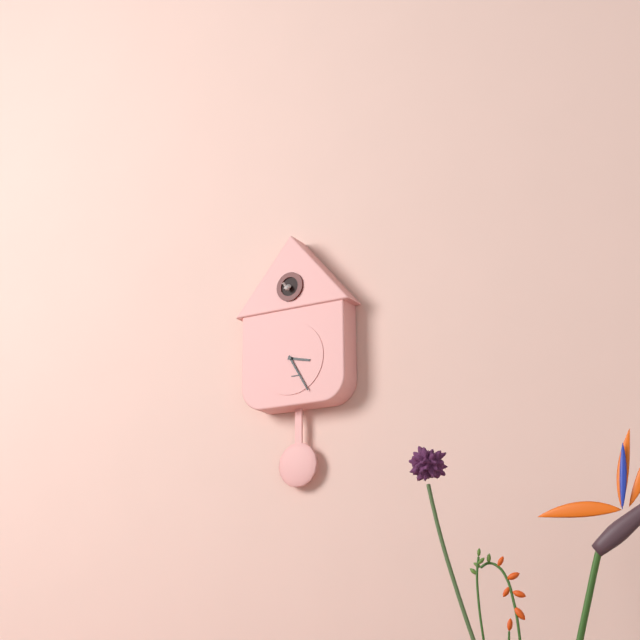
**3:25**
